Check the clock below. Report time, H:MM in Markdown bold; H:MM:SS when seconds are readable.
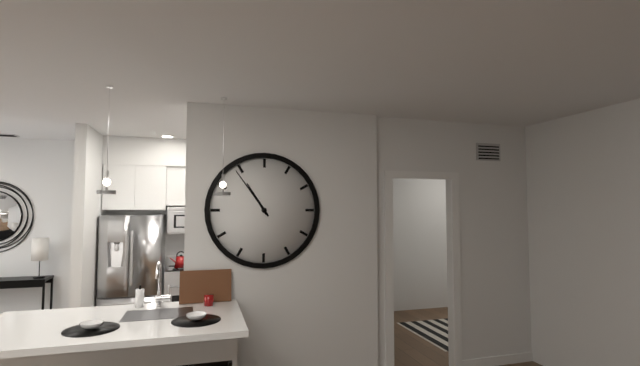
**10:54**
